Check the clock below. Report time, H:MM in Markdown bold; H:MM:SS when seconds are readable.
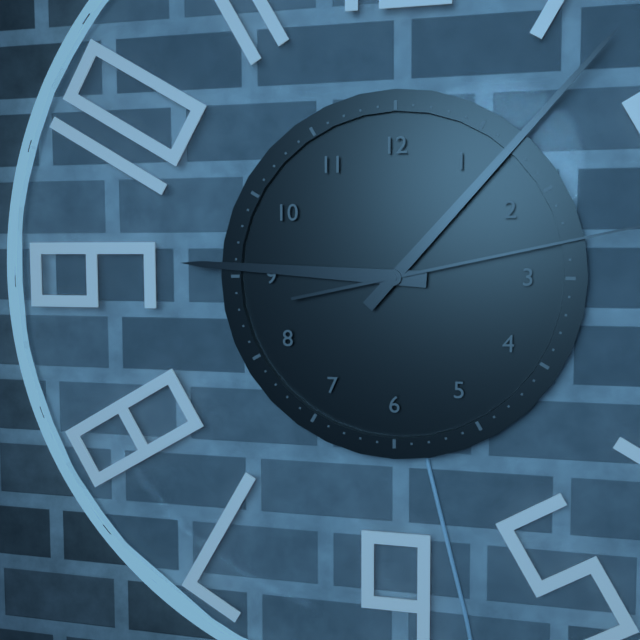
**9:07**
